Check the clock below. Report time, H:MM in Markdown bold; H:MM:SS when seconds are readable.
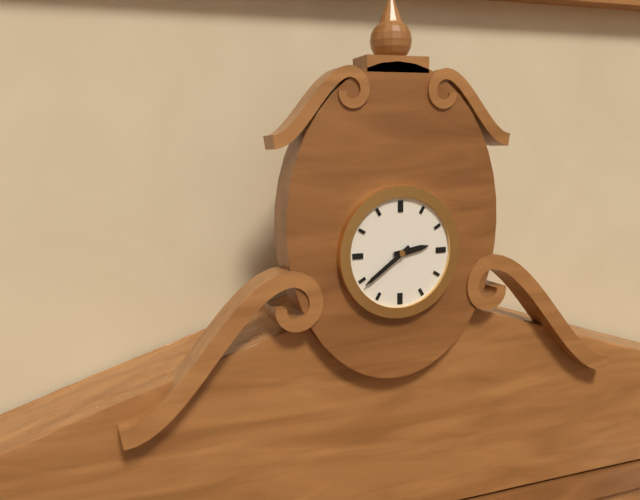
**2:39**
